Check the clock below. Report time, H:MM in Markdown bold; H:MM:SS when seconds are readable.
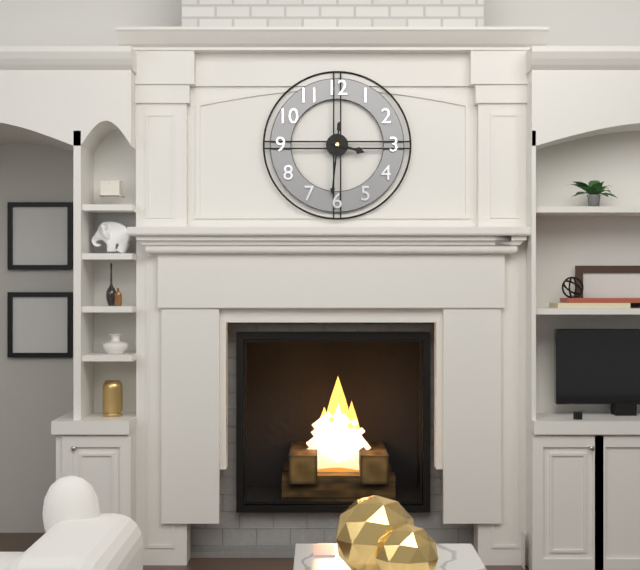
**3:31**
